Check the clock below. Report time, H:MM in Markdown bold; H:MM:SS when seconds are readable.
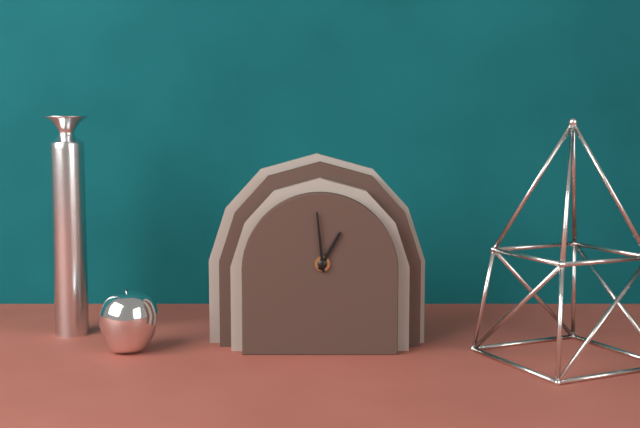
**12:59**
